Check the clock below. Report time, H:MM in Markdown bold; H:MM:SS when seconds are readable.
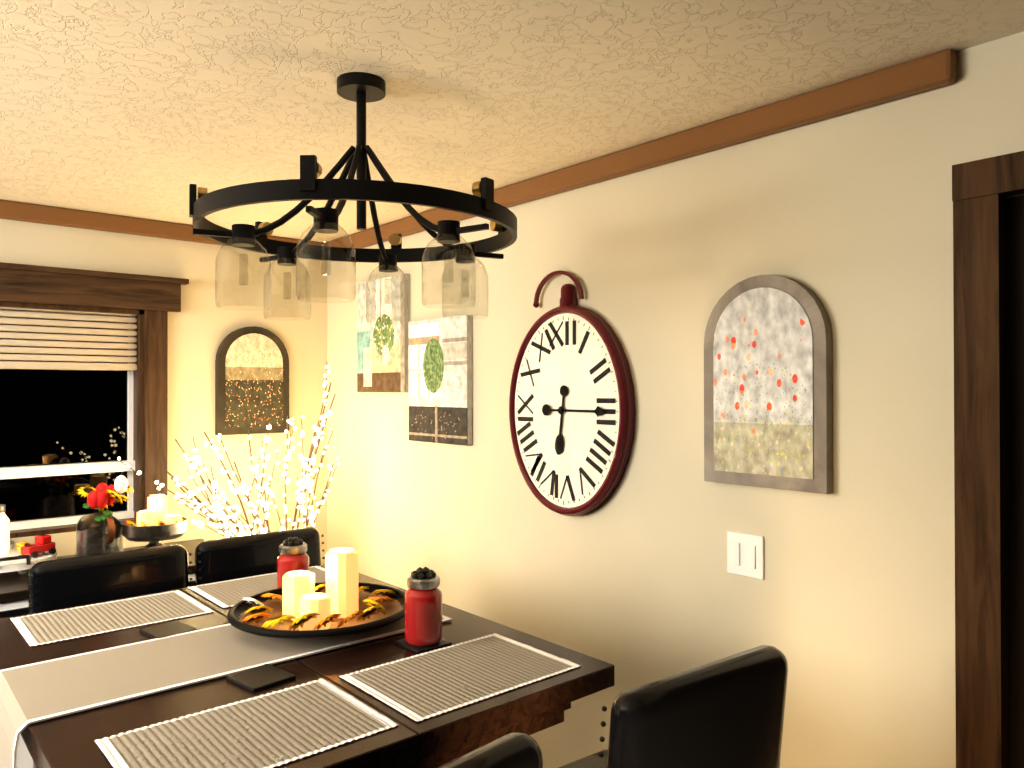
**6:15**
